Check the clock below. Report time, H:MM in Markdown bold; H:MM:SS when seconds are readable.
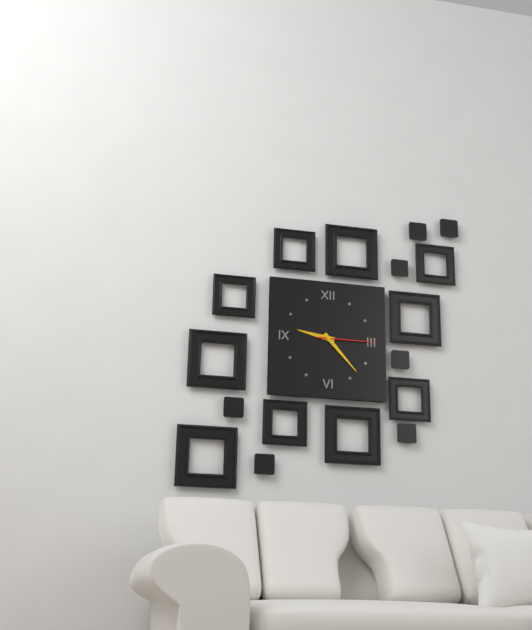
**9:23:15**
